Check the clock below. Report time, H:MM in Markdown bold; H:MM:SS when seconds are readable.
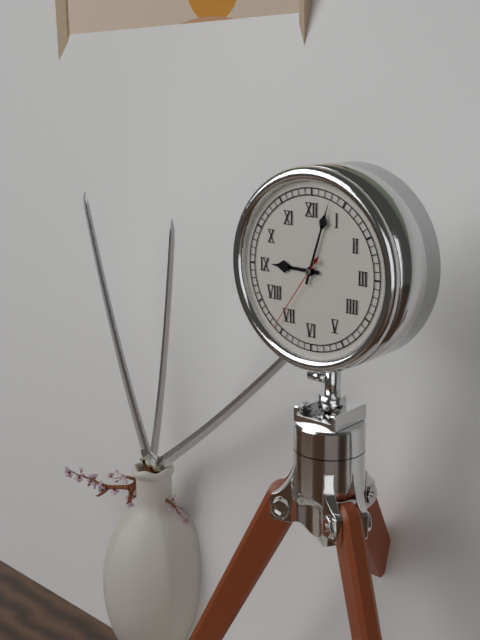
**9:03:36**
